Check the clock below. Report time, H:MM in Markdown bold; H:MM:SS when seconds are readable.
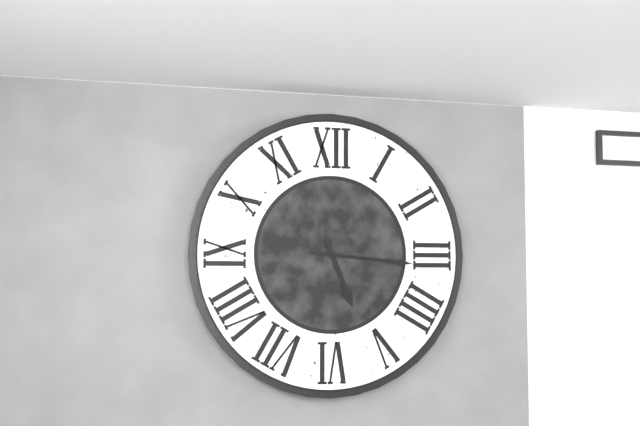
**5:16**
